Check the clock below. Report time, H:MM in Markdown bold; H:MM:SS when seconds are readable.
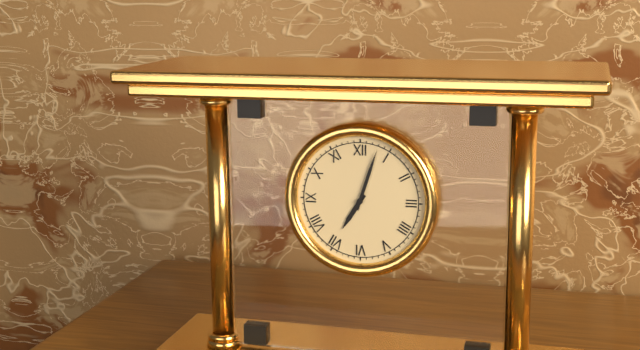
**7:03**
